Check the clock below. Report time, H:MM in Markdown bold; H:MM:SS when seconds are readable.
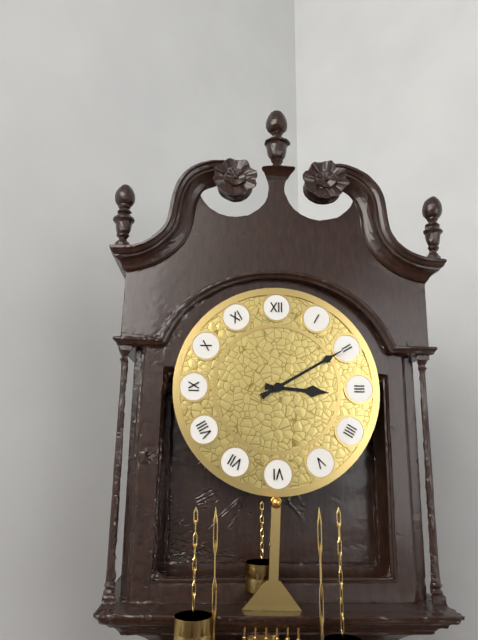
**3:10**
